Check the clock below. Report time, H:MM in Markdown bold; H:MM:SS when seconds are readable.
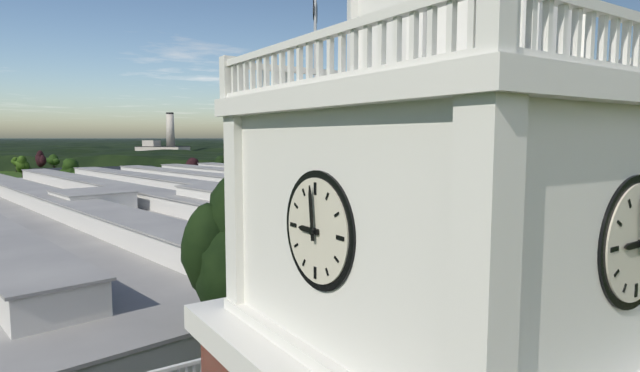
**8:59**
